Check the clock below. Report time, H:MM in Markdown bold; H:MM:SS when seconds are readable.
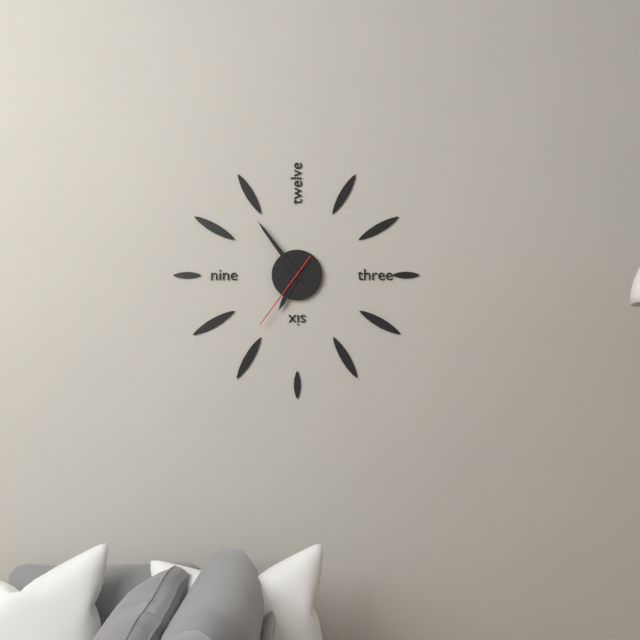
**6:54:36**
